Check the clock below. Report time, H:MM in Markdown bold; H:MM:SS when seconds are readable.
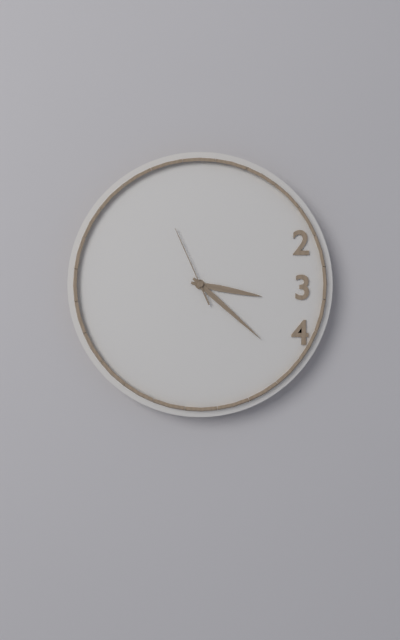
**3:22:56**
